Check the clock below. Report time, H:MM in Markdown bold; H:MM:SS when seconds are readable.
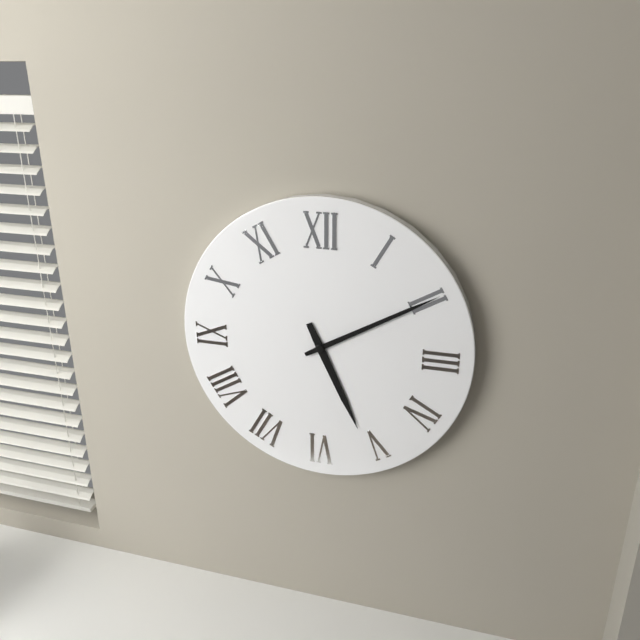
**5:10**
